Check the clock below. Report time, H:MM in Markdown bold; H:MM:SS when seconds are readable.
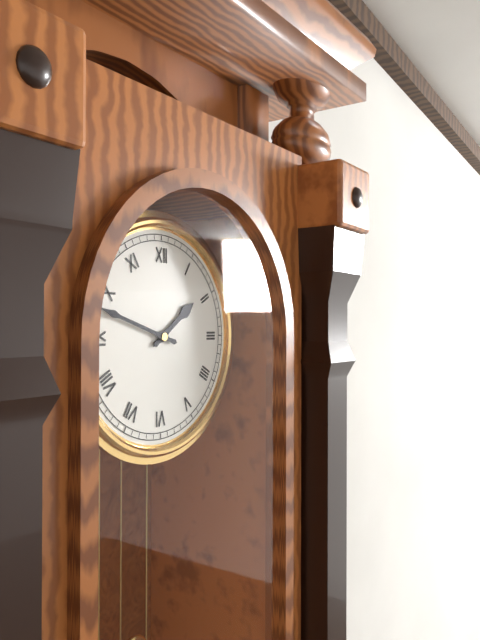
**1:48**
